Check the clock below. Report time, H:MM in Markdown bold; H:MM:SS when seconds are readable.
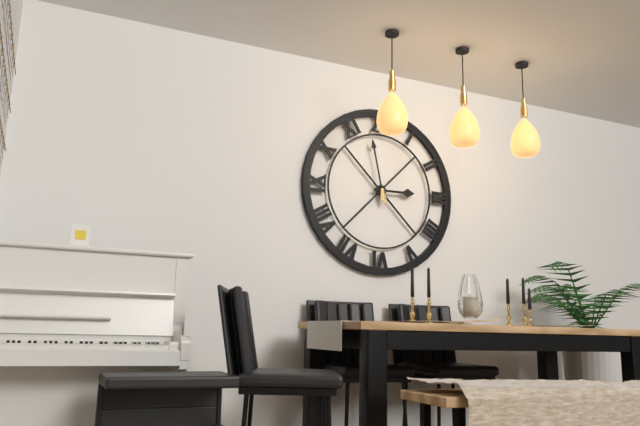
**2:58**
